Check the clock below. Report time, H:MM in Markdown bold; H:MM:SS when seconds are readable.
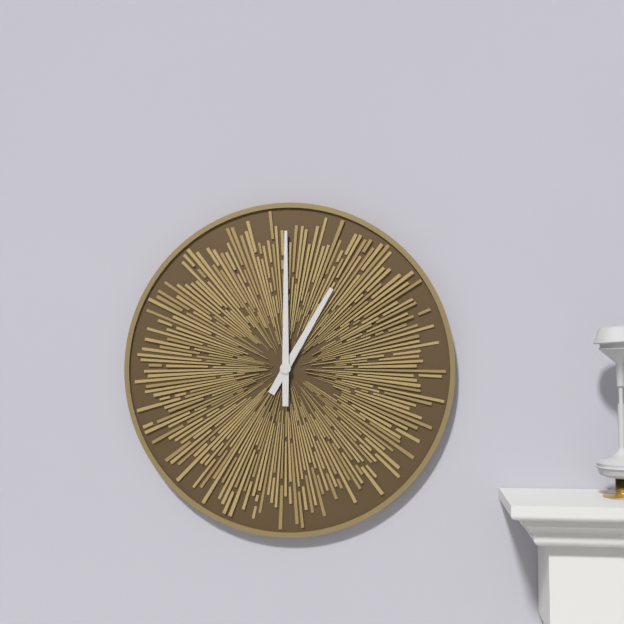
**1:00**
